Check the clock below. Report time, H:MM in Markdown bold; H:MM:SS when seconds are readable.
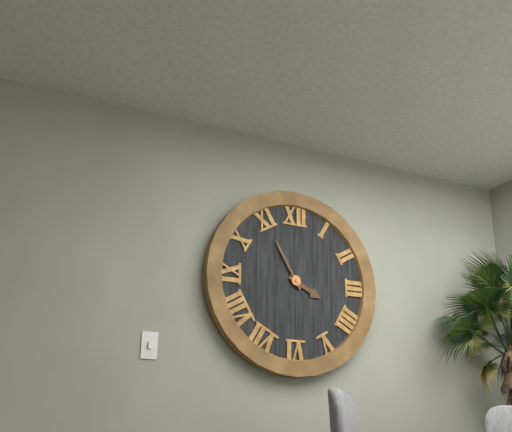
**3:55**
